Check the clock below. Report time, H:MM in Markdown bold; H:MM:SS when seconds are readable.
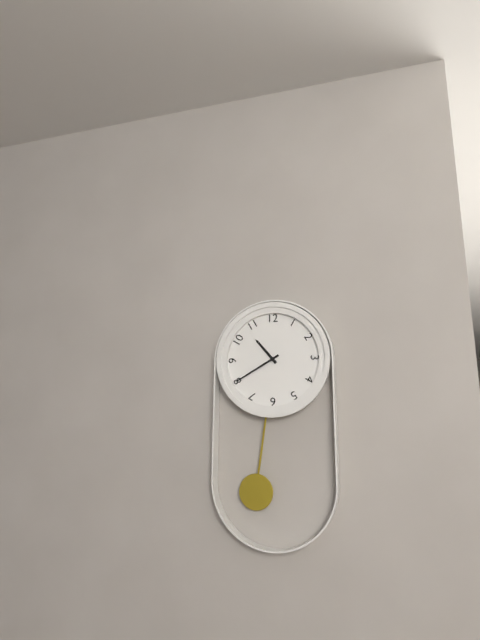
**10:40**
